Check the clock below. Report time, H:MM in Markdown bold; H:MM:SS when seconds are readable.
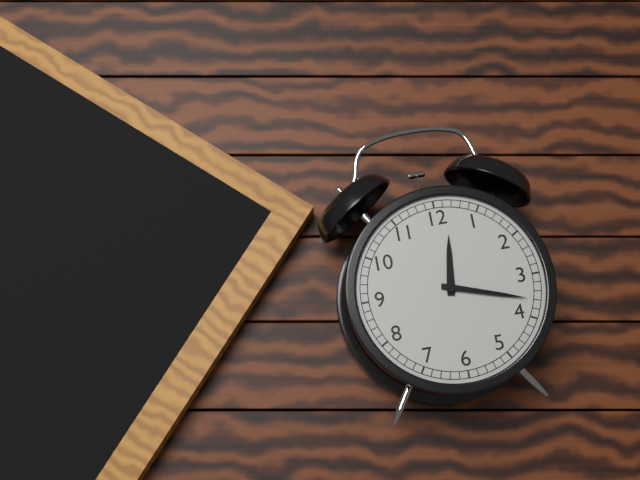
**12:18**
